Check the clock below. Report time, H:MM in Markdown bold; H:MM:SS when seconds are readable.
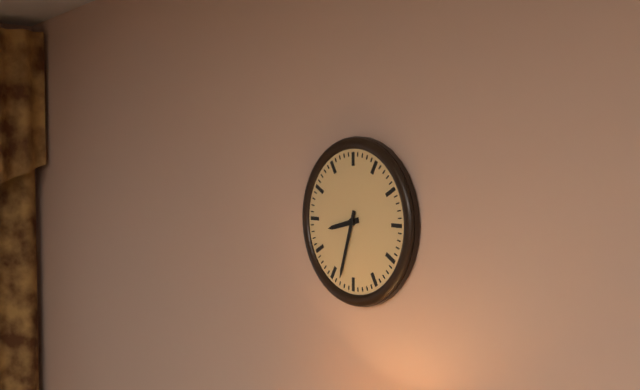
**8:33**
